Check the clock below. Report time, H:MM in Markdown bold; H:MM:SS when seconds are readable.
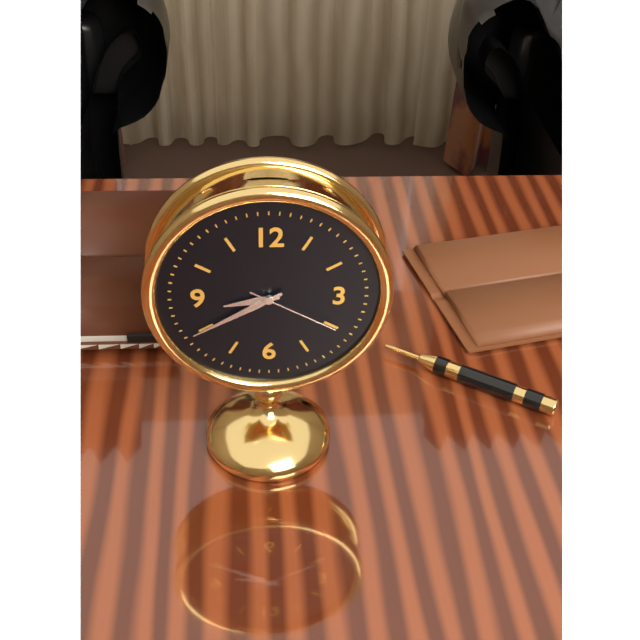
**8:40:20**
